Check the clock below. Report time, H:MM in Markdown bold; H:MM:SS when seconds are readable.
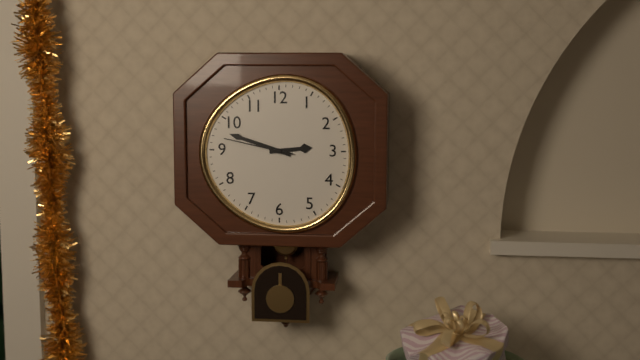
**2:48:47**
